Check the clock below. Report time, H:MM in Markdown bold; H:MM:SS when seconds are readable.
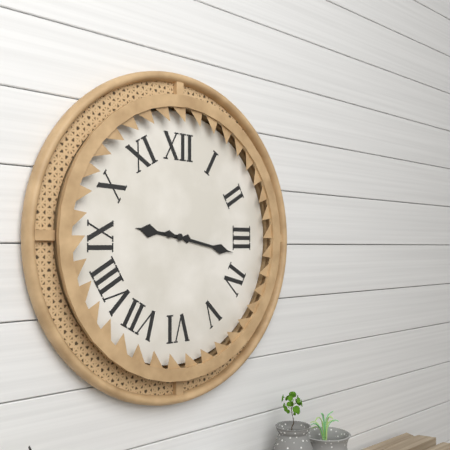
**9:17**
